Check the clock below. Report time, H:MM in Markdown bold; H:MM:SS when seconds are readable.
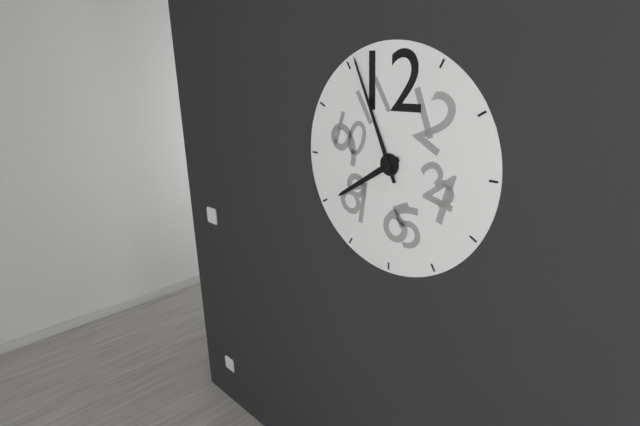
**7:56**
